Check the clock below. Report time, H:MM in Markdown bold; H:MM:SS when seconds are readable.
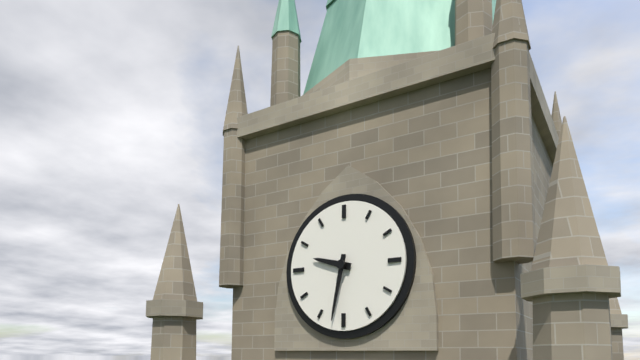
**9:32**
